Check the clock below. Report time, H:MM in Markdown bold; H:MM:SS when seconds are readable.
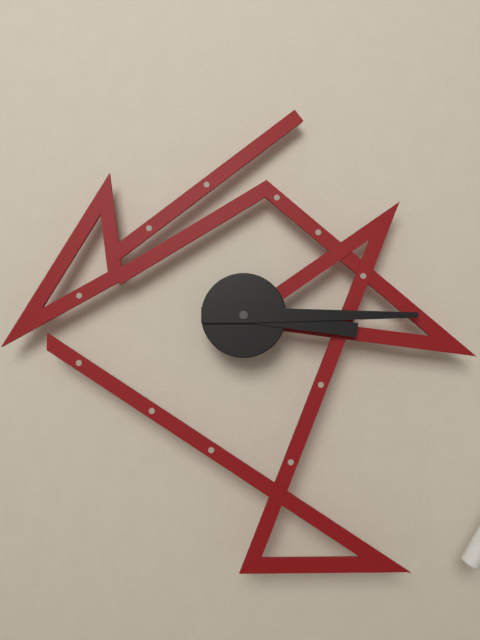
**3:15**
